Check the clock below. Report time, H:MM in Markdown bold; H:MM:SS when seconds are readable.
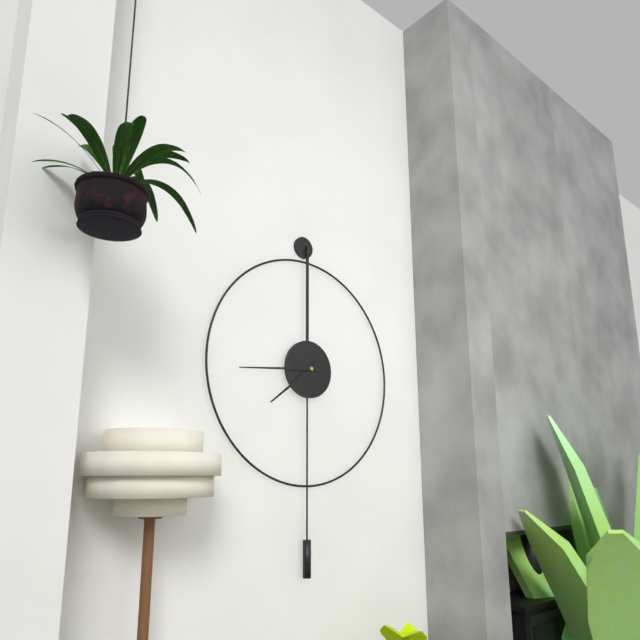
**7:44**
